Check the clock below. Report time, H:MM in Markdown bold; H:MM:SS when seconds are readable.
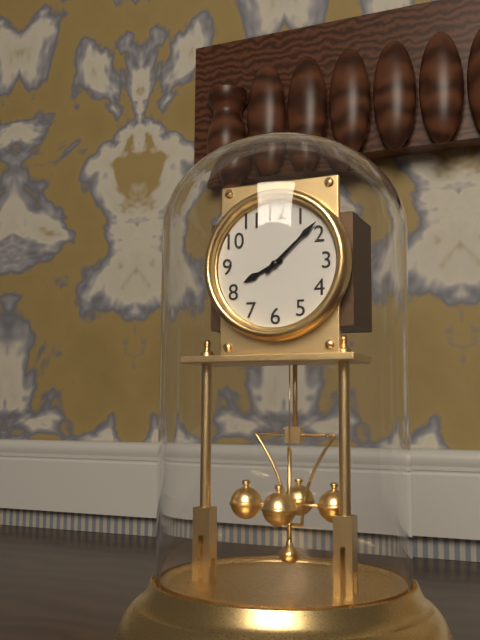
**8:08**
